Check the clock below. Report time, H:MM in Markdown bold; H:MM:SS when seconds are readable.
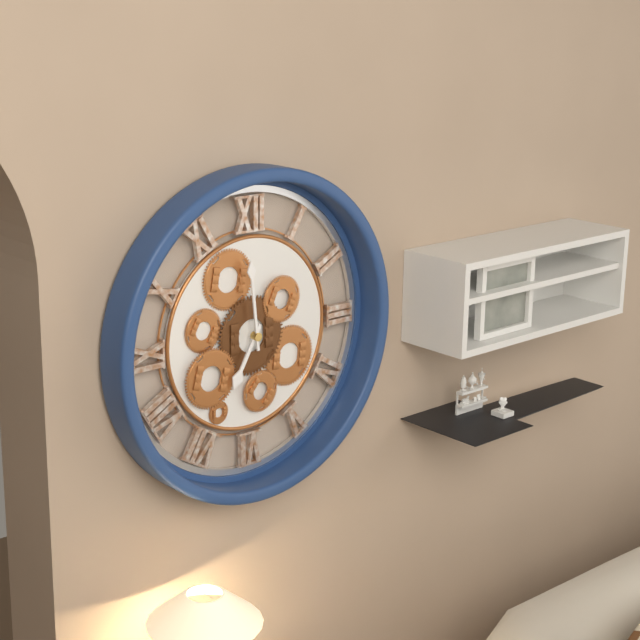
**6:59**
